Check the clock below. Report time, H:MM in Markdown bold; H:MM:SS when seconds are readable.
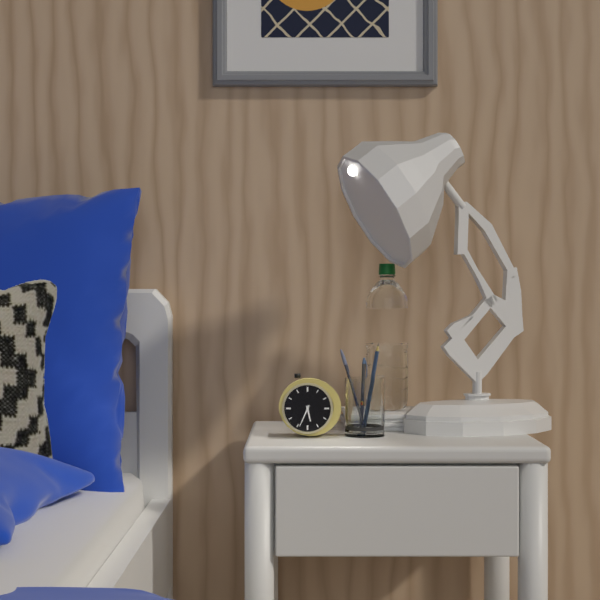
**5:34**
